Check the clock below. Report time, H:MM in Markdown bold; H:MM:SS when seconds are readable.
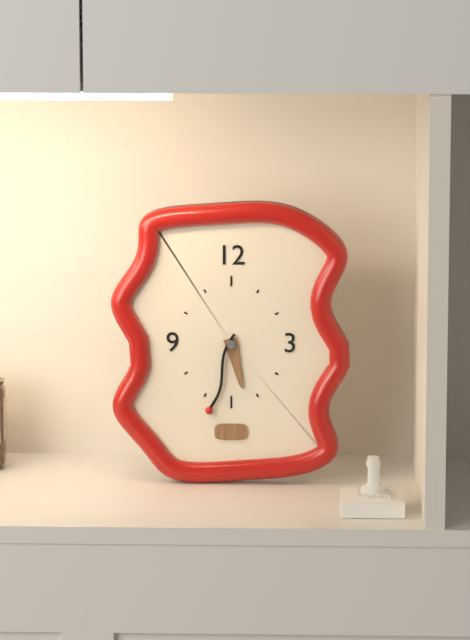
**5:33**
